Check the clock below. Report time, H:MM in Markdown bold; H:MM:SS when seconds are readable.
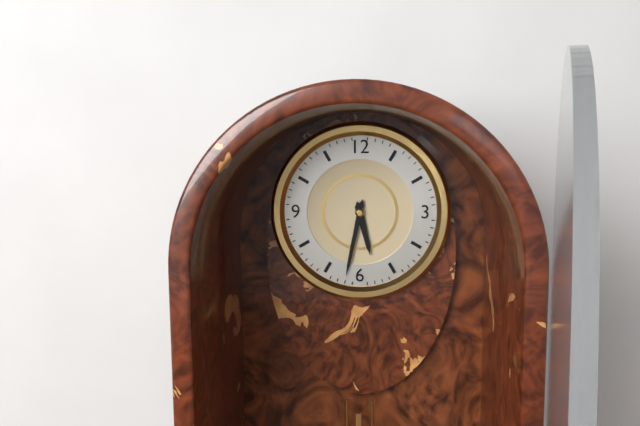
**5:32**
